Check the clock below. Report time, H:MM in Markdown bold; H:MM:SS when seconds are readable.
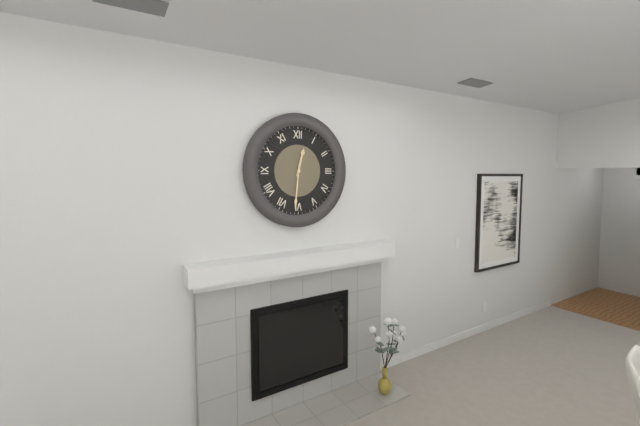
**12:31**
